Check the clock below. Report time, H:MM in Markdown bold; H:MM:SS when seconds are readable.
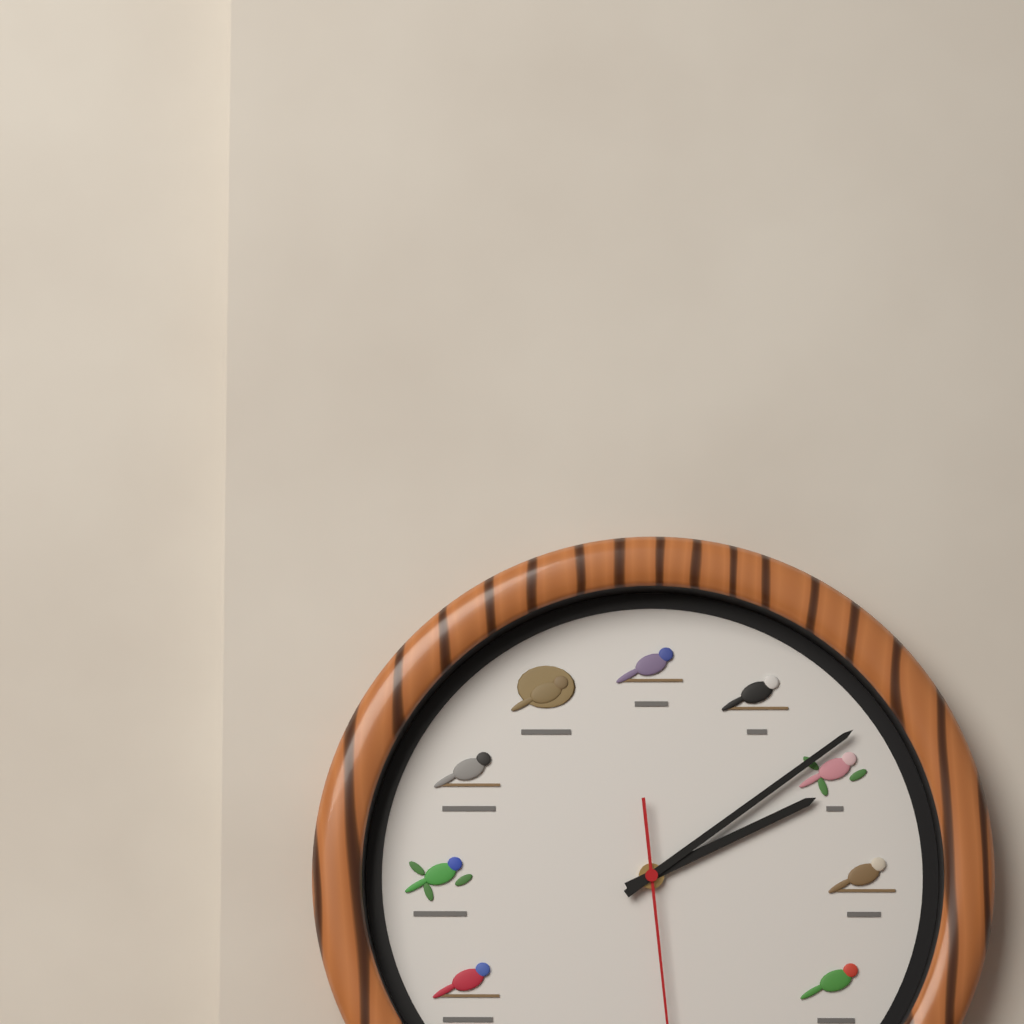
**2:09**
